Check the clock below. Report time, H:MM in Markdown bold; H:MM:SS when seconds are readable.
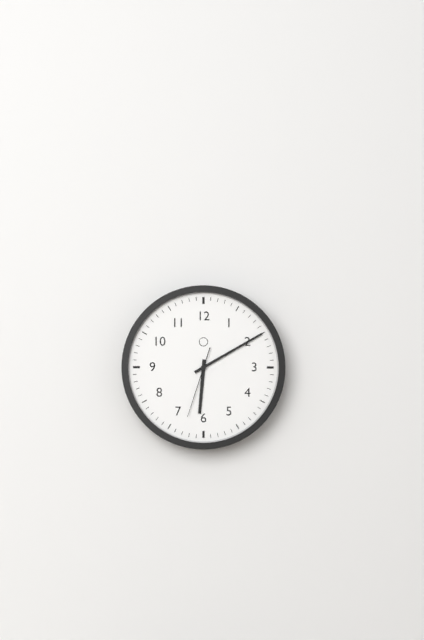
**6:10:33**
